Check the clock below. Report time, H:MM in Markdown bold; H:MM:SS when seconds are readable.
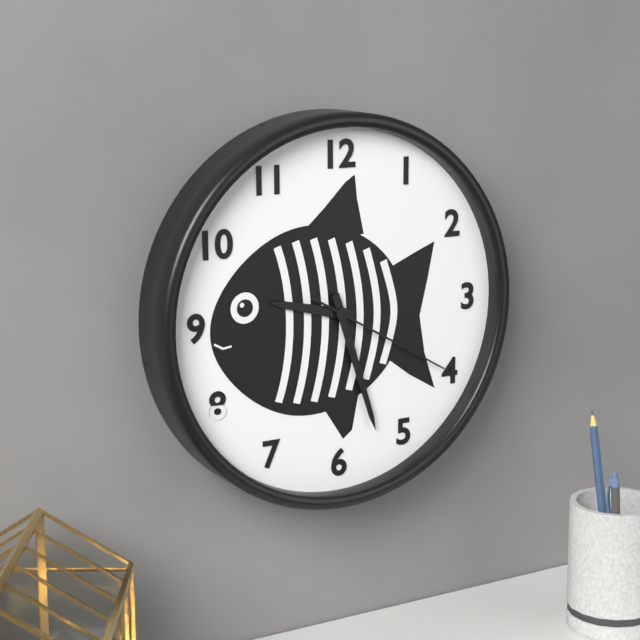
**9:27:20**
